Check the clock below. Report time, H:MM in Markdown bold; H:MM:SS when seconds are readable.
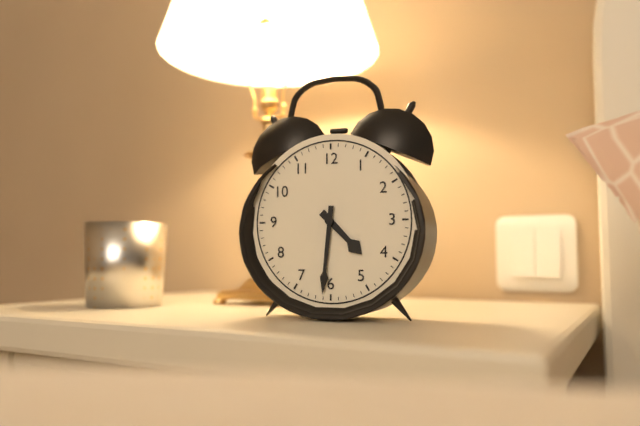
**4:31**
